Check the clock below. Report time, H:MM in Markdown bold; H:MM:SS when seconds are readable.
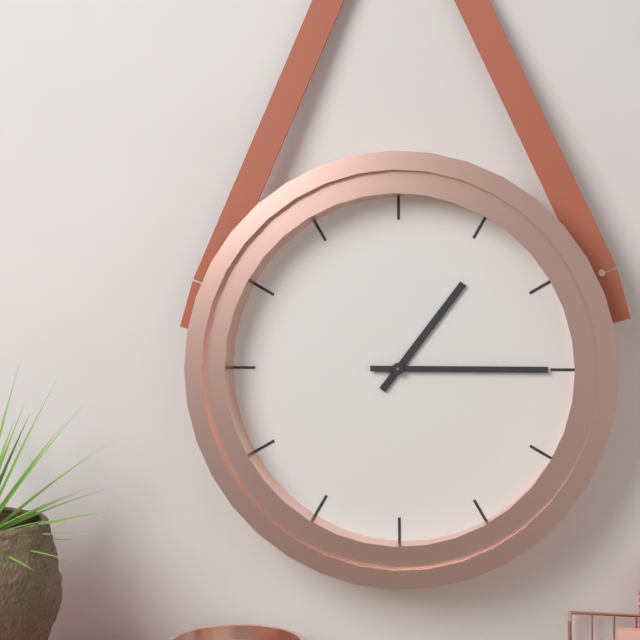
**1:15**
